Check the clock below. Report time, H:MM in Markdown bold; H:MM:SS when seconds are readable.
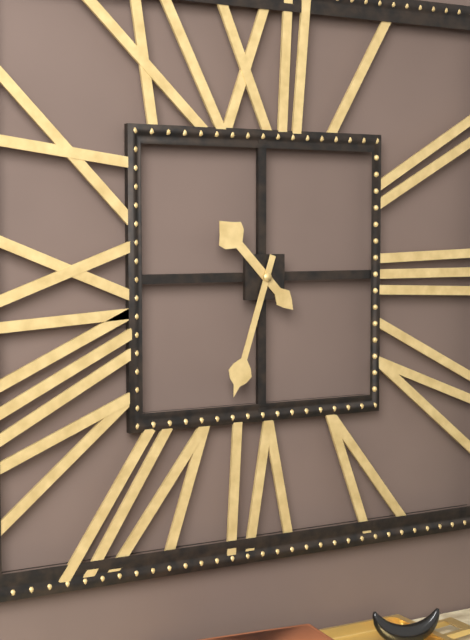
**10:33**
